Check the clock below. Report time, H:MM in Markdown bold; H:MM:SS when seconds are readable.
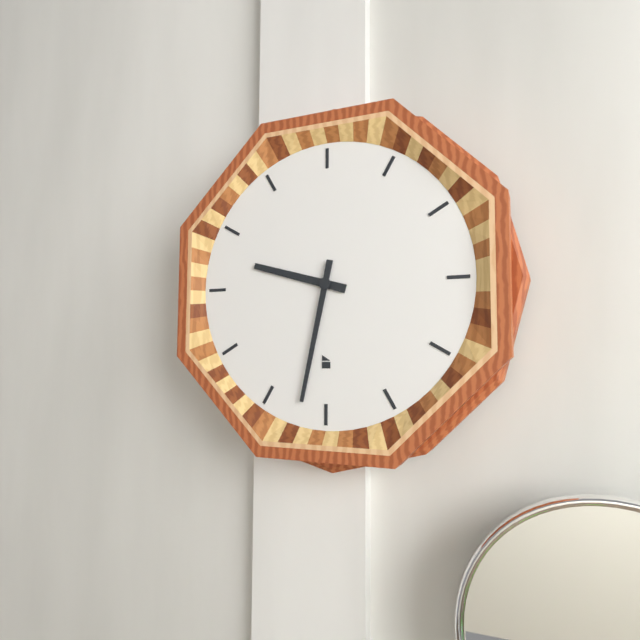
**9:32**
